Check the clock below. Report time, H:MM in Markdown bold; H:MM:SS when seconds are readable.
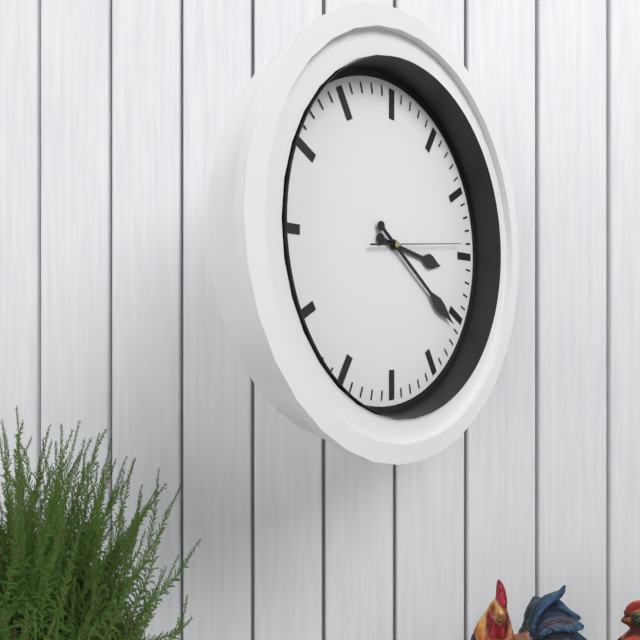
**3:21:14**
